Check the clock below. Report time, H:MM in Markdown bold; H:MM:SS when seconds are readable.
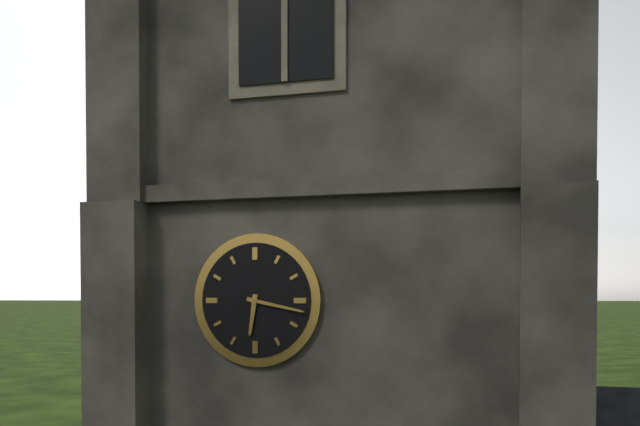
**6:17**
